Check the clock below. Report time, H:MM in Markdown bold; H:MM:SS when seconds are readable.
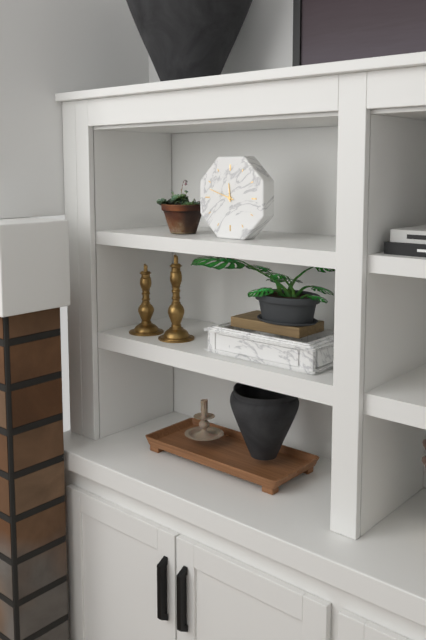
**11:48**
